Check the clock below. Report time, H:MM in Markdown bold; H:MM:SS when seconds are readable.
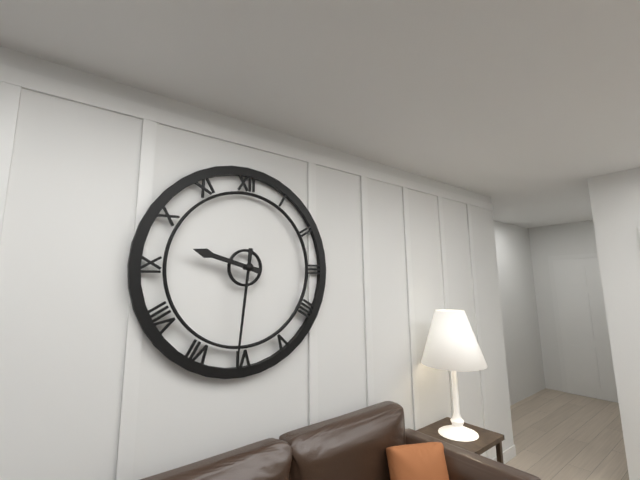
**9:31**
